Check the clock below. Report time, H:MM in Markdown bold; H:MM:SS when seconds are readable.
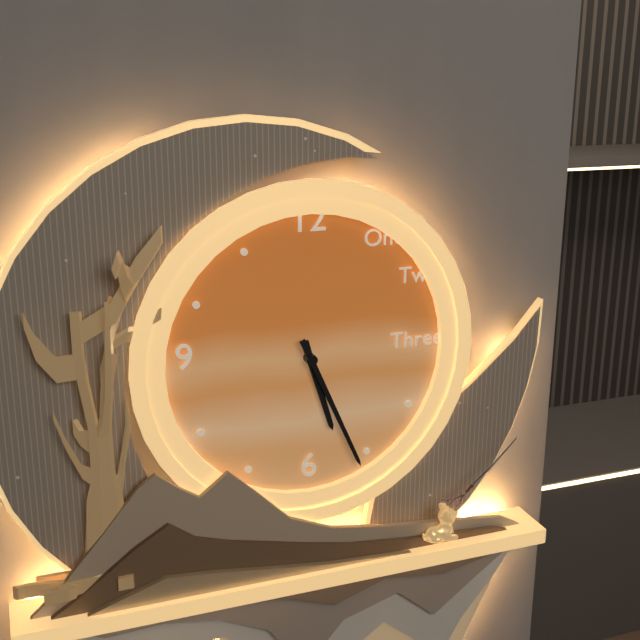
**5:26**
